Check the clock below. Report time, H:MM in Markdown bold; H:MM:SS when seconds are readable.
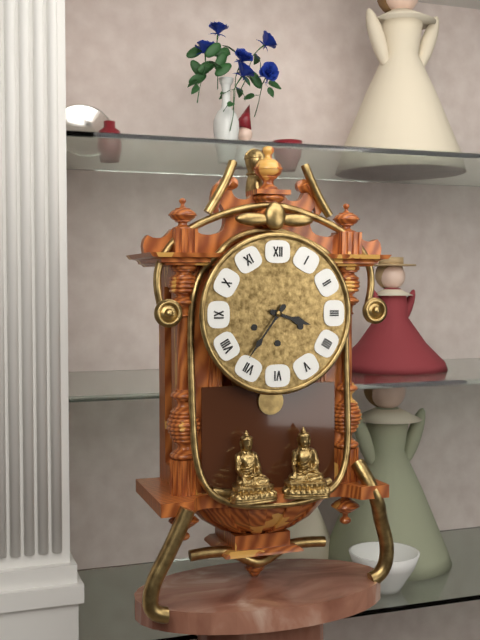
**3:36**
